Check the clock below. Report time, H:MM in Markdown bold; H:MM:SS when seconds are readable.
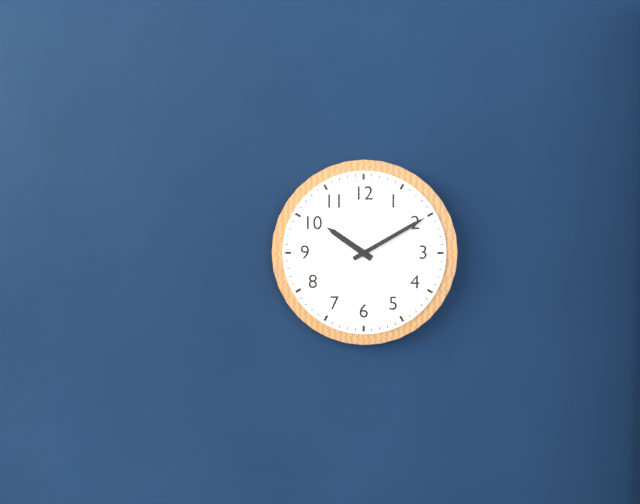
**10:10**
